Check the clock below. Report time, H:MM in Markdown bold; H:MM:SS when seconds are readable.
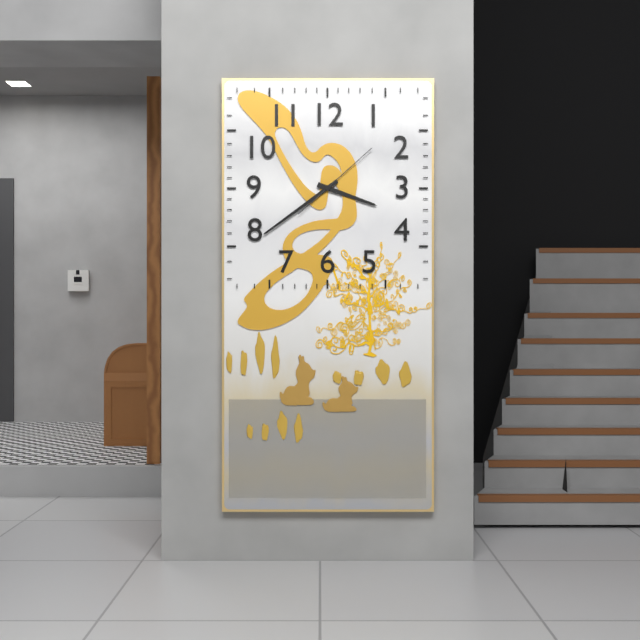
**3:39:08**
